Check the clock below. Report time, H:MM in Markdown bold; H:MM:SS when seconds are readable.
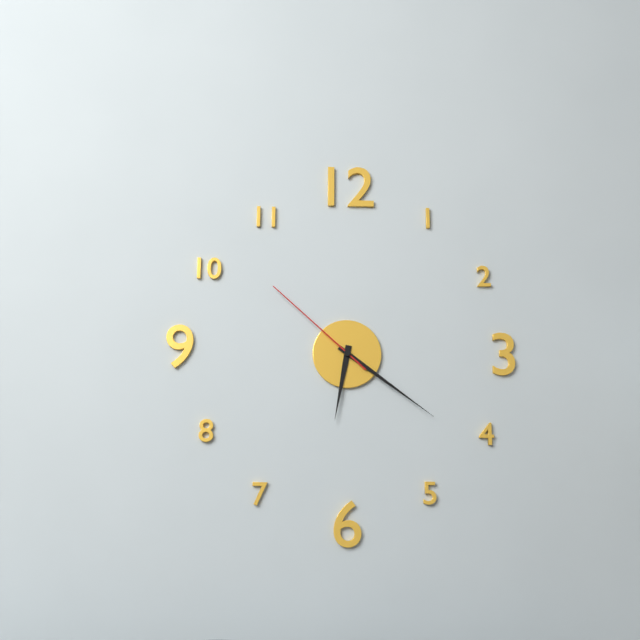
**6:21:52**
